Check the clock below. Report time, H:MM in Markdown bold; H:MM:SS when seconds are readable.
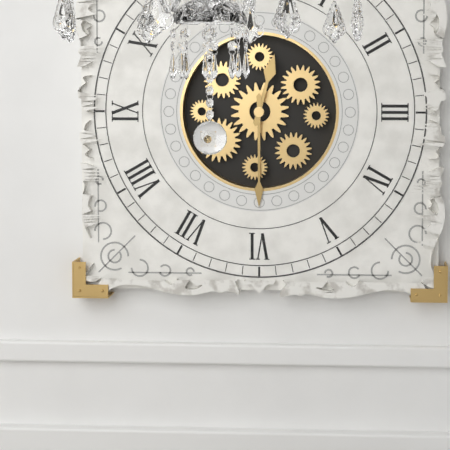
**12:30**
